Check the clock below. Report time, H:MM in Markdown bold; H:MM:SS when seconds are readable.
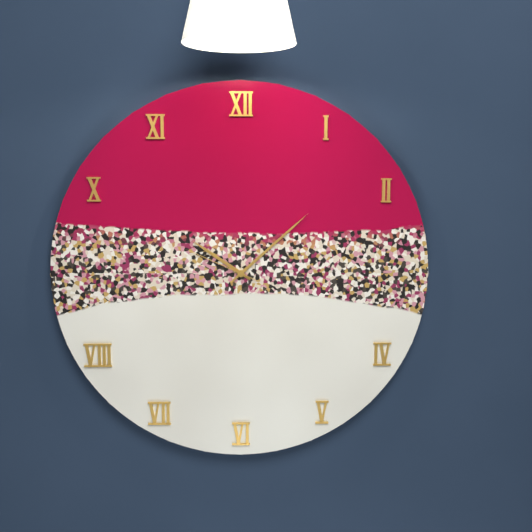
**10:08:49**
